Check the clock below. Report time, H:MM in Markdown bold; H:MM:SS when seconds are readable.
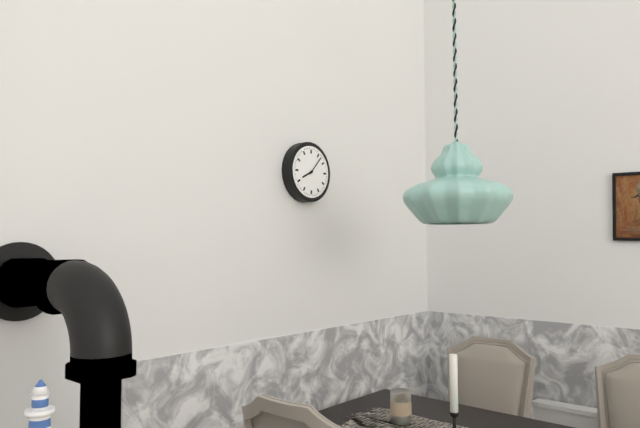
**8:07**
